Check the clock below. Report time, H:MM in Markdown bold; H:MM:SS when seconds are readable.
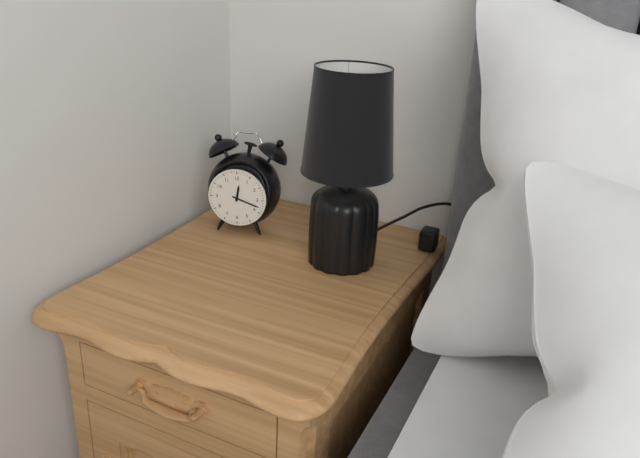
**12:18**
